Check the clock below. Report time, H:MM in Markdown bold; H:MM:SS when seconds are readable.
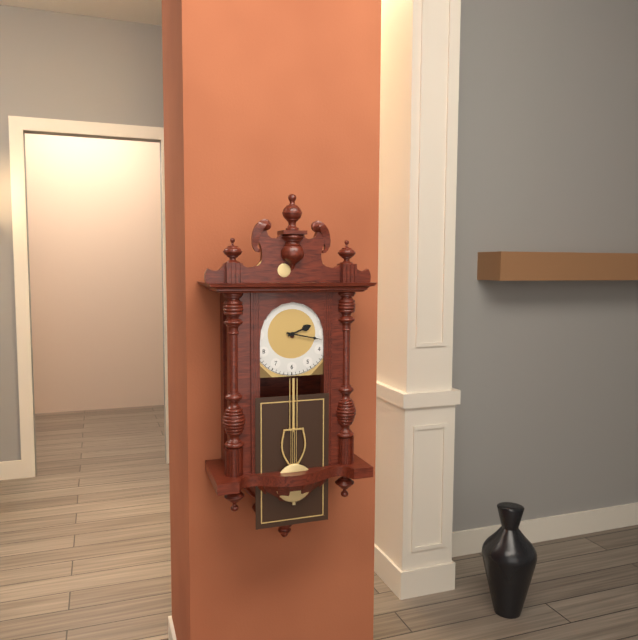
**2:17**
